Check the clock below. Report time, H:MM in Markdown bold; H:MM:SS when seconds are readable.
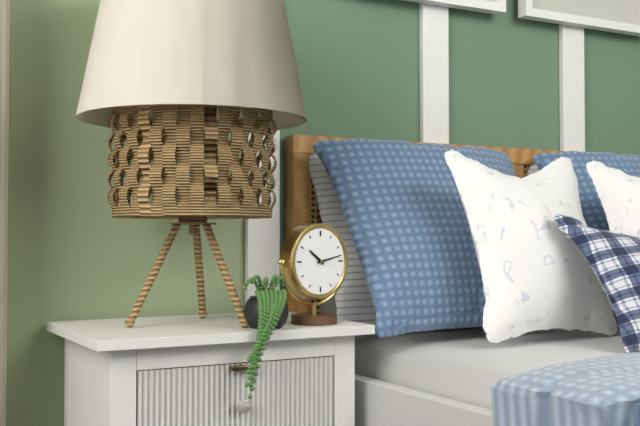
**10:13**
